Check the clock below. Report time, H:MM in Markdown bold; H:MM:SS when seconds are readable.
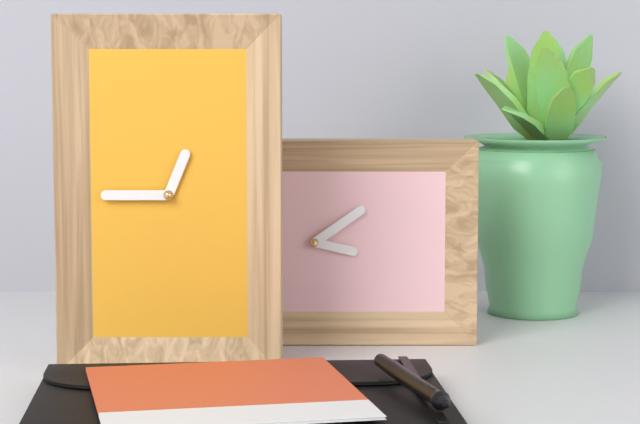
**12:45**
